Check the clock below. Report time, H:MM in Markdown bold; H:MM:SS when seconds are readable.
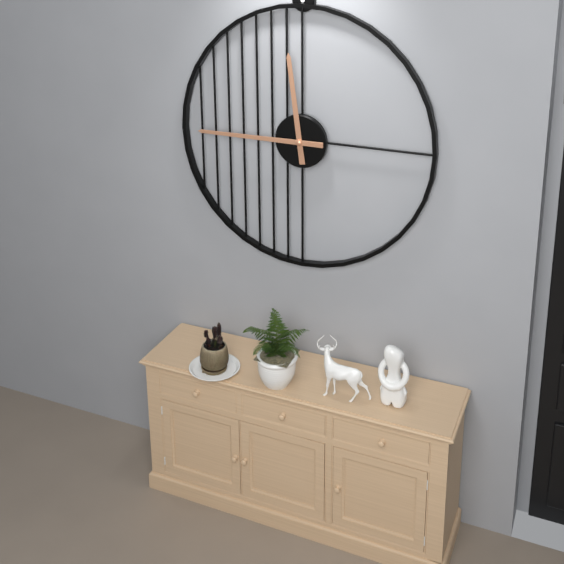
**11:45**
